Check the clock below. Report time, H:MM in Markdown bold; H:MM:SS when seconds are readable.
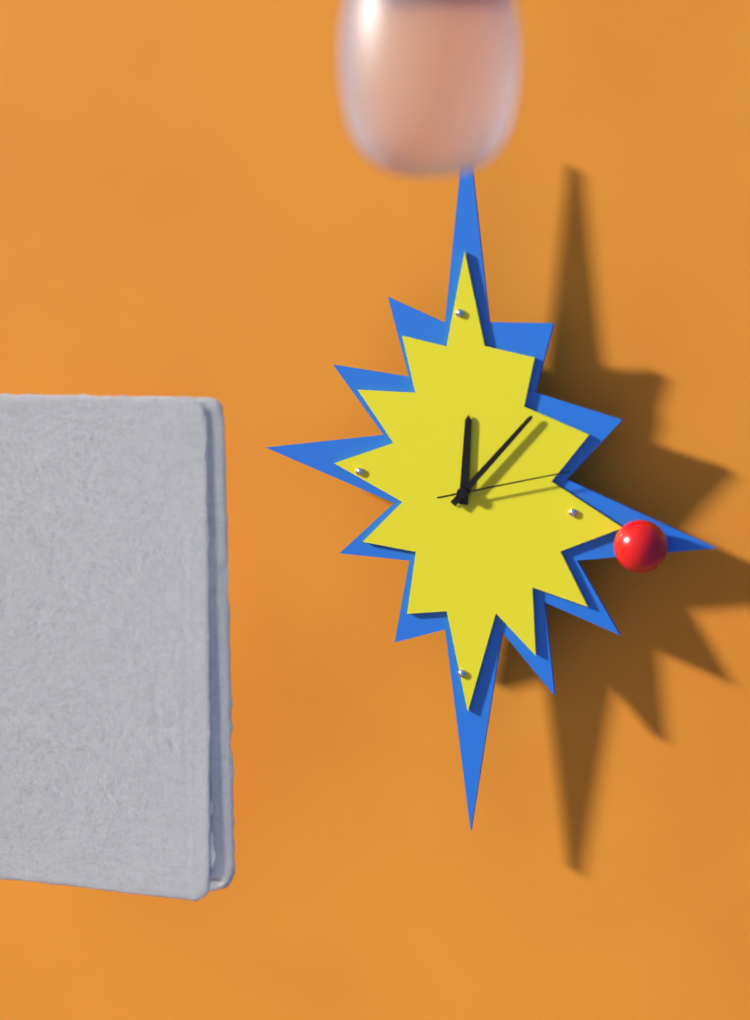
**12:07:13**
